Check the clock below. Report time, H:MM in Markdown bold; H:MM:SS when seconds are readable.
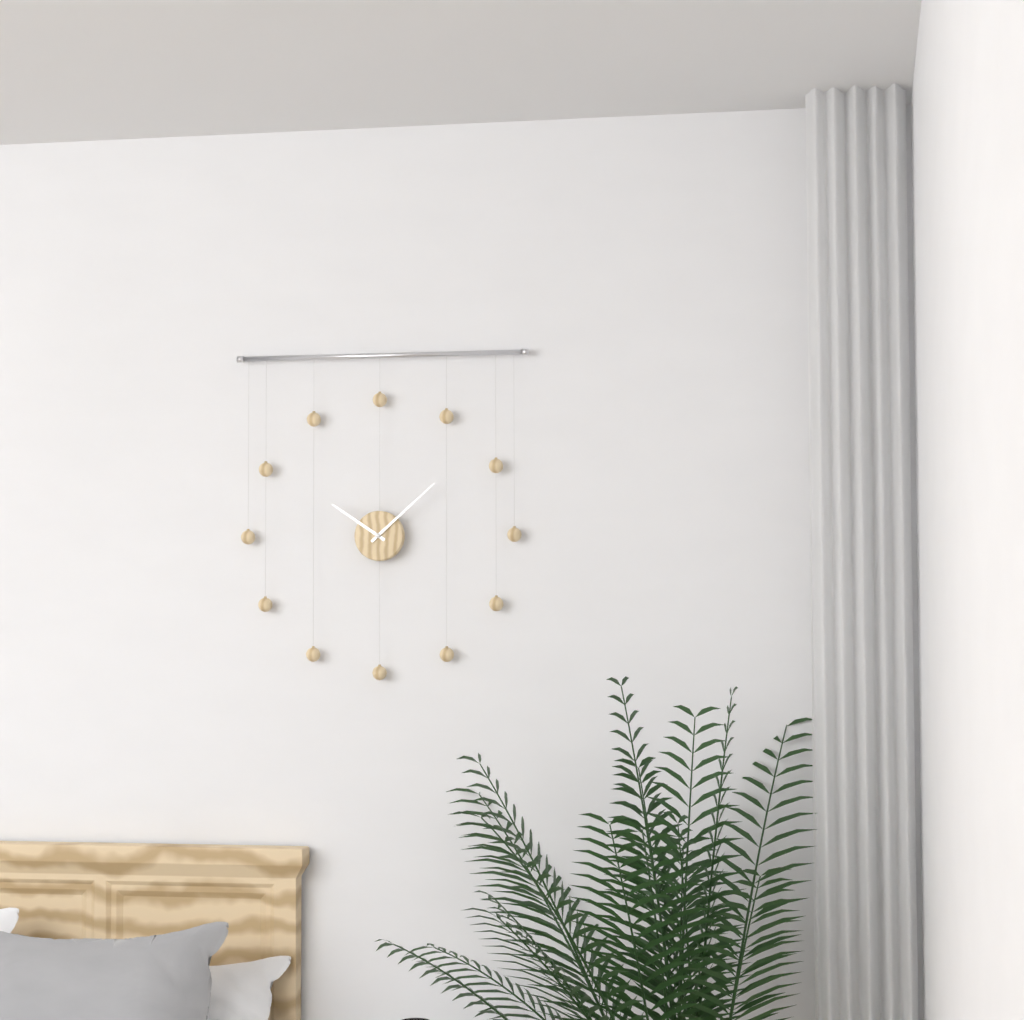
**10:08**
